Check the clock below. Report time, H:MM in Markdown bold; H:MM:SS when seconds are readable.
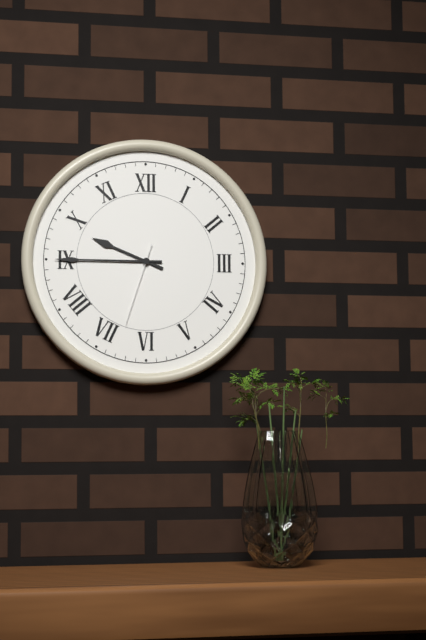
**9:45:33**
